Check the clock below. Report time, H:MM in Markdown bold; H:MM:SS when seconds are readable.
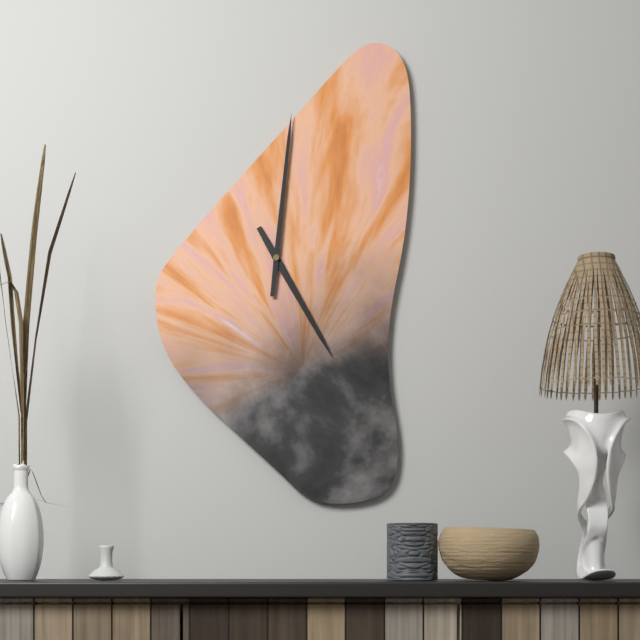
**5:01**
